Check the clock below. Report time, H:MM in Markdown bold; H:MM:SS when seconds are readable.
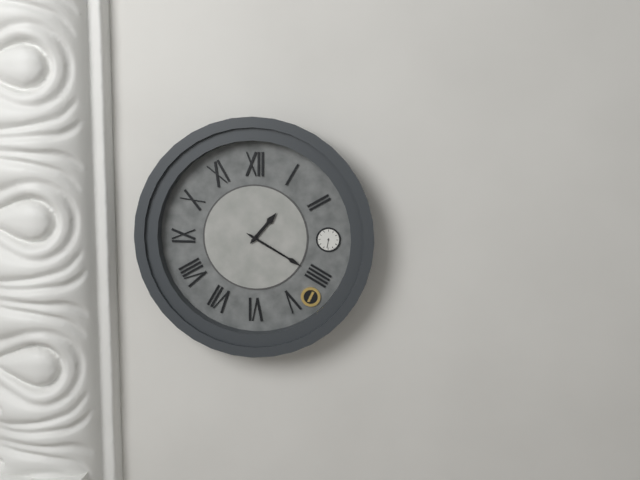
**1:20**
